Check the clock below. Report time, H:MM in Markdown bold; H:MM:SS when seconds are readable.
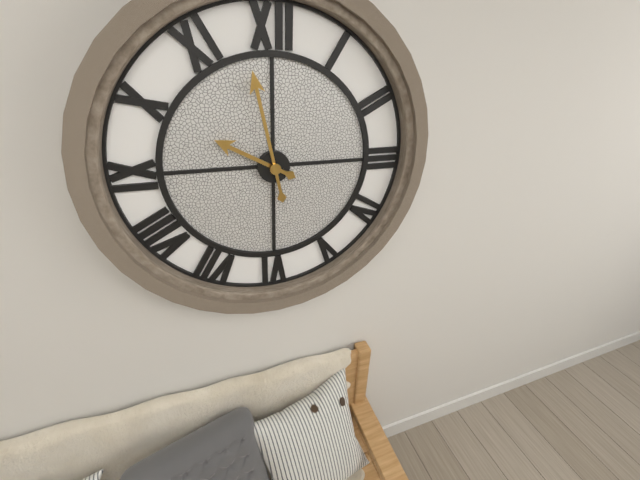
**9:58**
